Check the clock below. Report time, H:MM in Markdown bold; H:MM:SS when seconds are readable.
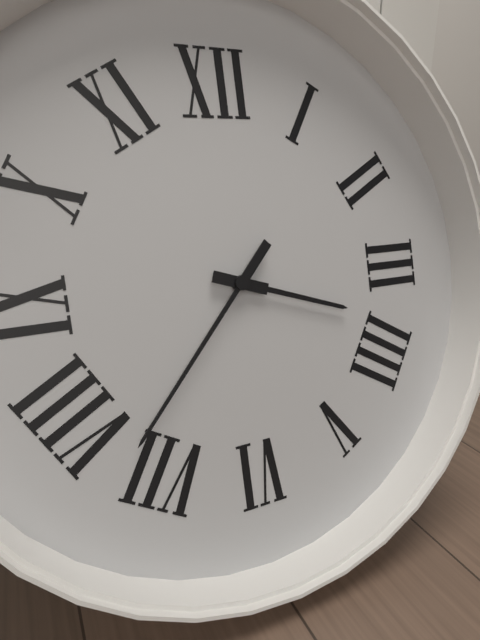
**3:37**
